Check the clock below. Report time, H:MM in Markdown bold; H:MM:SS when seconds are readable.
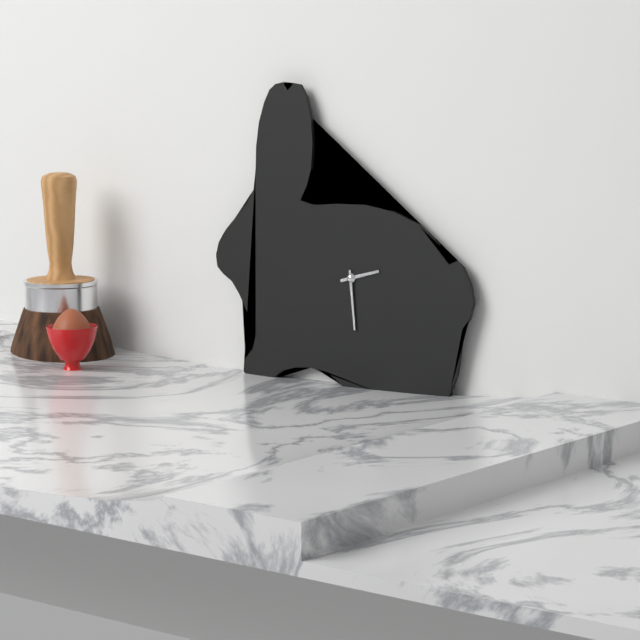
**2:29**
